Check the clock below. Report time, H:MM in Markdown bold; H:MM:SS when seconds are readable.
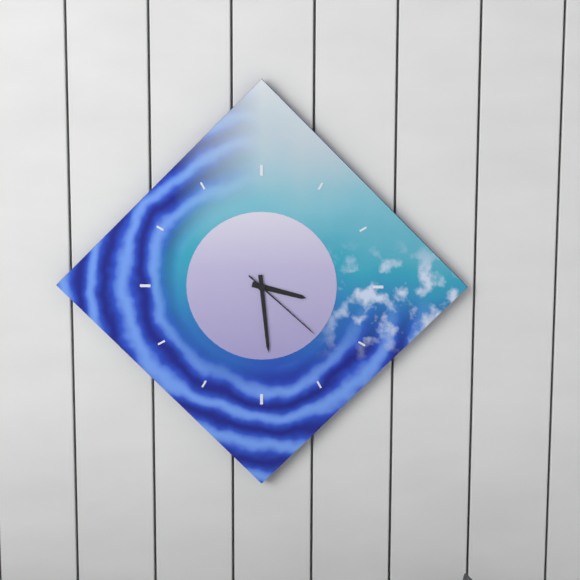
**3:29:22**
